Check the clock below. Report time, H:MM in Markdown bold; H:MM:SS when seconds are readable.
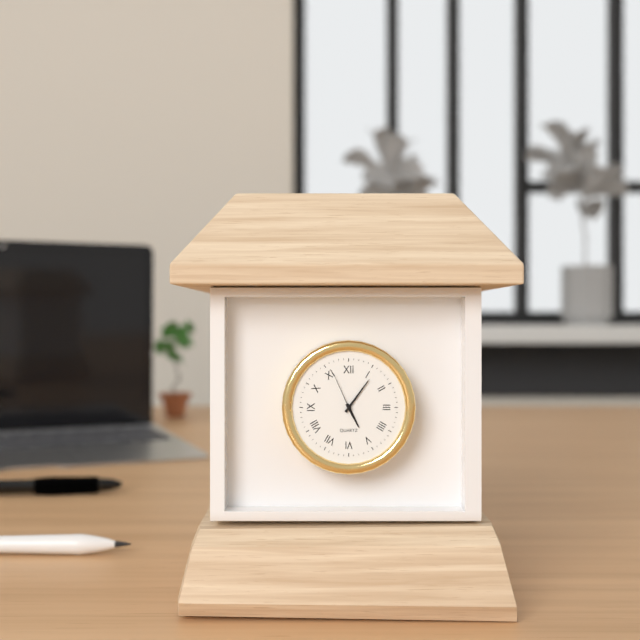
**5:06**
